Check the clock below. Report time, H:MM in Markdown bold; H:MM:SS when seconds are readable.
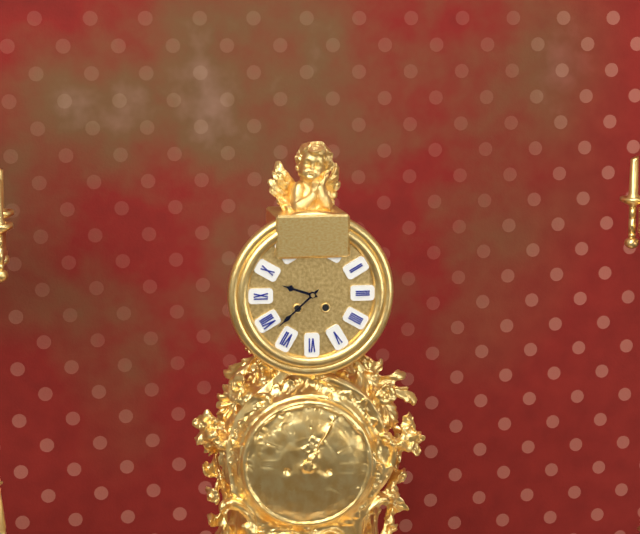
**9:38**
